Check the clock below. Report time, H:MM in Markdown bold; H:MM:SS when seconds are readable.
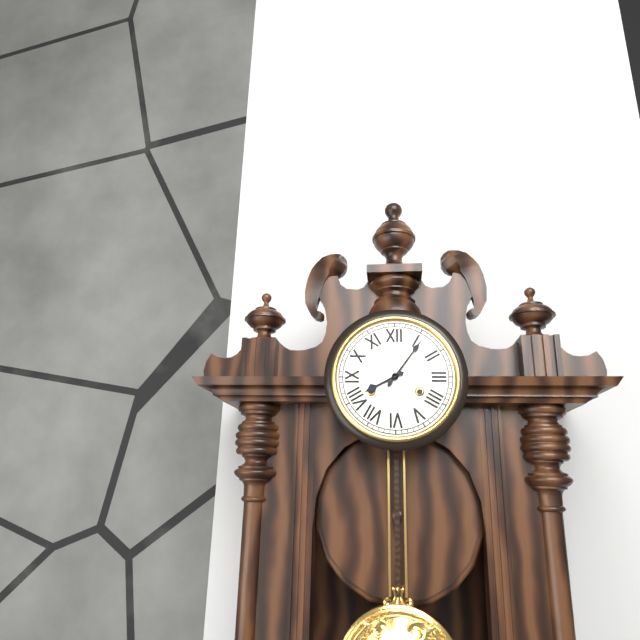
**8:06**
